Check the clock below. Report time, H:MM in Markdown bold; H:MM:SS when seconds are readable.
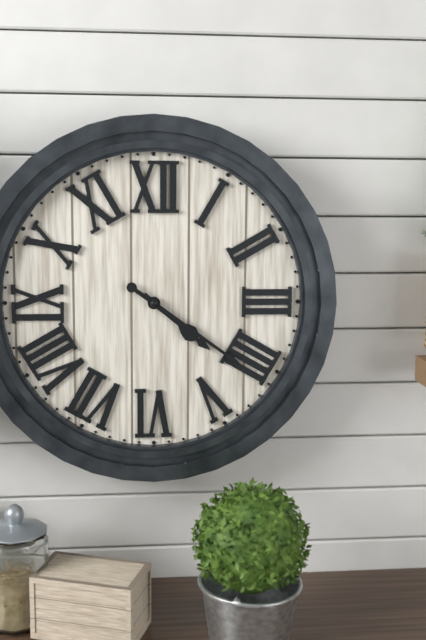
**4:21**
